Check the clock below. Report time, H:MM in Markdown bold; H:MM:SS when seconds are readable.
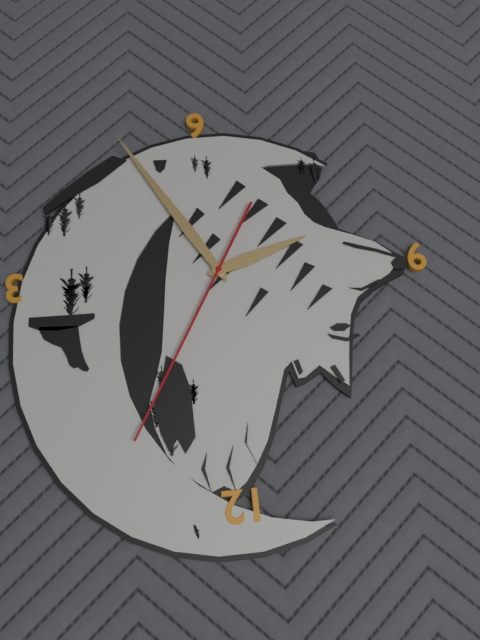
**8:25:05**
